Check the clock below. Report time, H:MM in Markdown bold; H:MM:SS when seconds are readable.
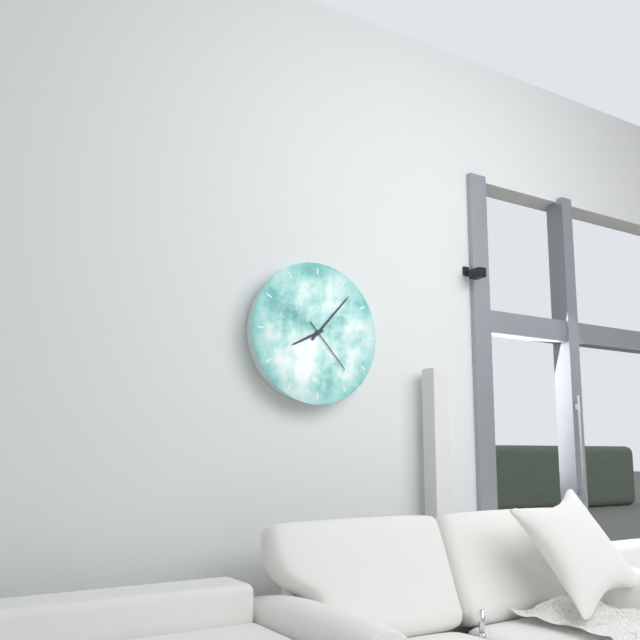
**8:07:23**
